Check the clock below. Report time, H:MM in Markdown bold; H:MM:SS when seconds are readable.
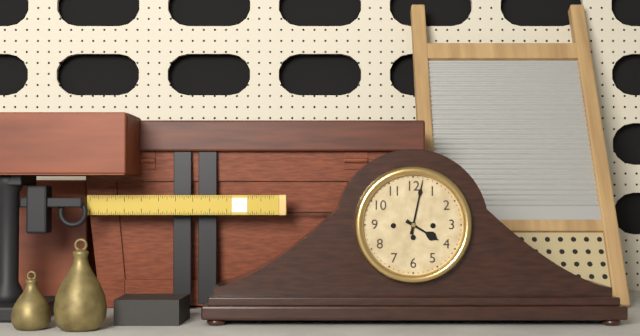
**4:02**
